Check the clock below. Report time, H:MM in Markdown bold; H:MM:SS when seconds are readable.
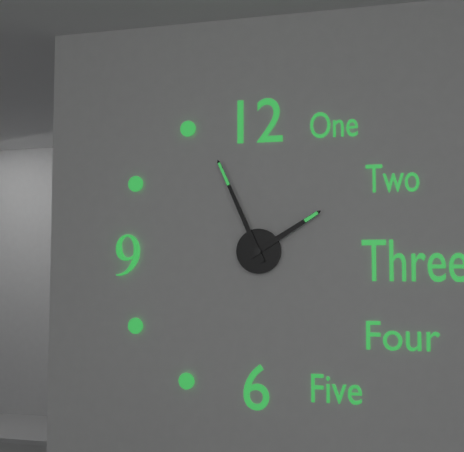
**1:56**
